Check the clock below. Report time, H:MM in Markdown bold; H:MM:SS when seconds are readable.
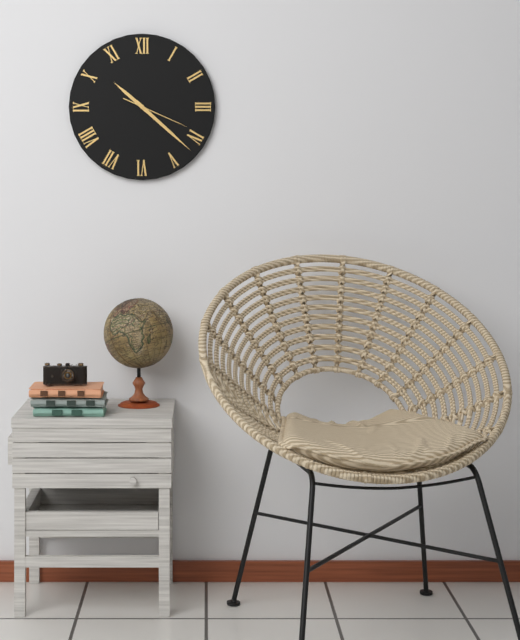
**10:22:19**
